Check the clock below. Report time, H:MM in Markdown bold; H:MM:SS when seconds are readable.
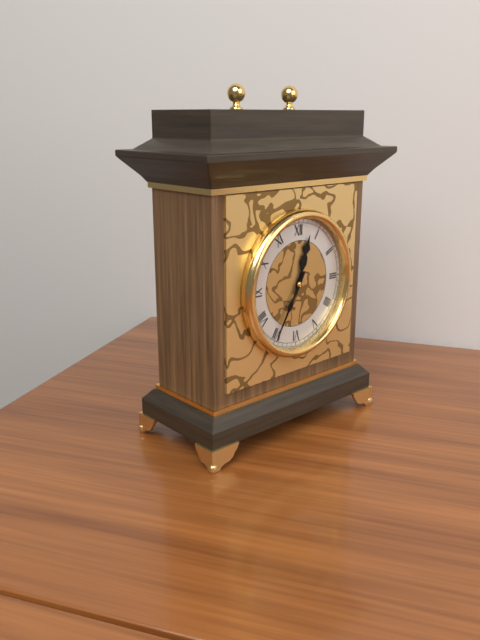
**12:35**
